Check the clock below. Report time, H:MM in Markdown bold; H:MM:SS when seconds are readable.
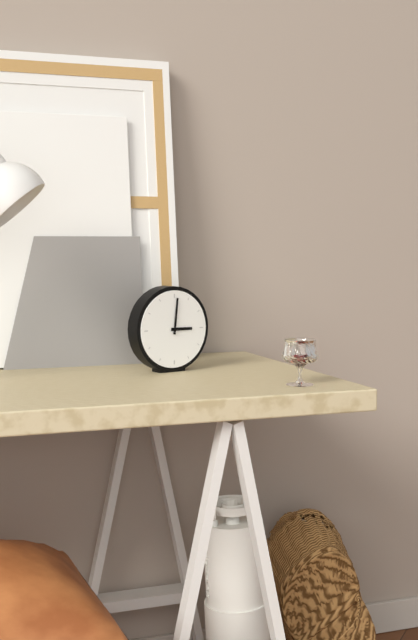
**3:01**
